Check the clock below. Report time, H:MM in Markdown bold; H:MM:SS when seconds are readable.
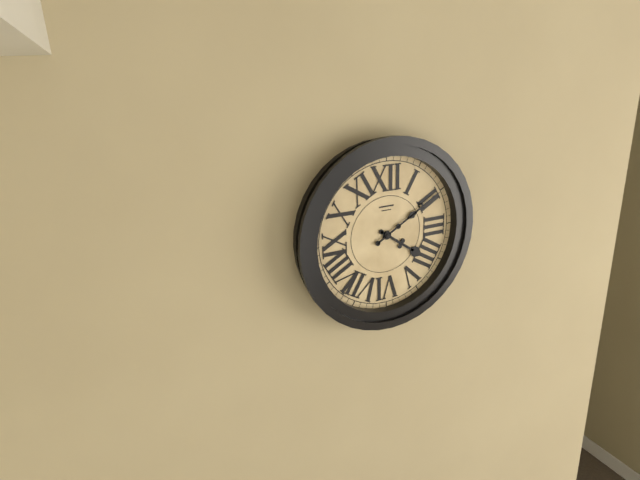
**4:10**
